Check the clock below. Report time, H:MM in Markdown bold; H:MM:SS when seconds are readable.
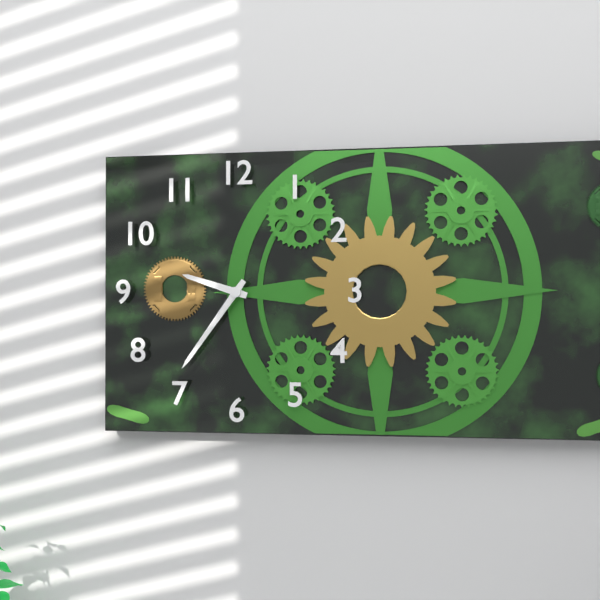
**9:36**
